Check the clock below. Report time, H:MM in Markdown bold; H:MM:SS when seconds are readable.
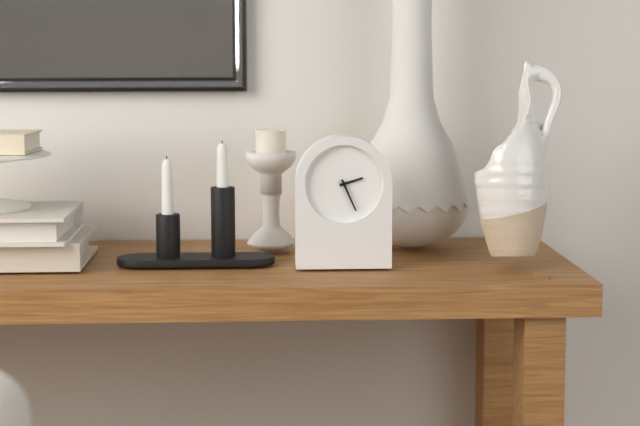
**2:26**
